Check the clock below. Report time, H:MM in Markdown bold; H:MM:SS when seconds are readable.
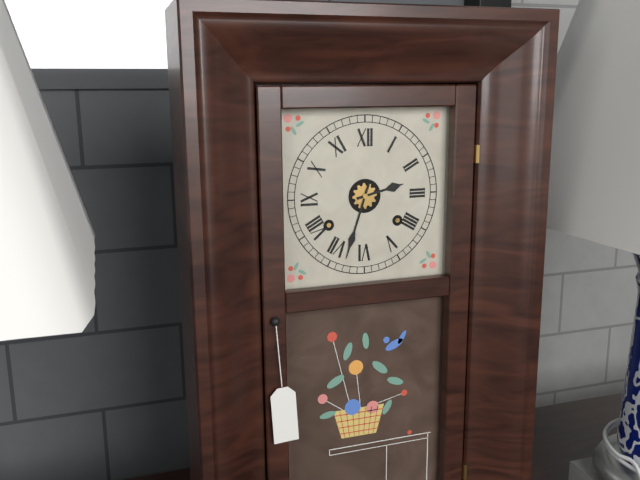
**2:33**
